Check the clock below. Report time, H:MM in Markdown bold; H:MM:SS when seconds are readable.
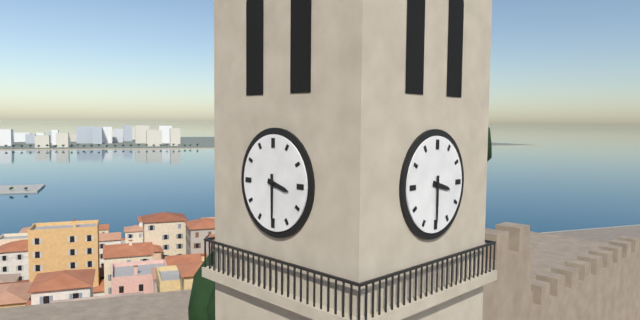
**3:30**
